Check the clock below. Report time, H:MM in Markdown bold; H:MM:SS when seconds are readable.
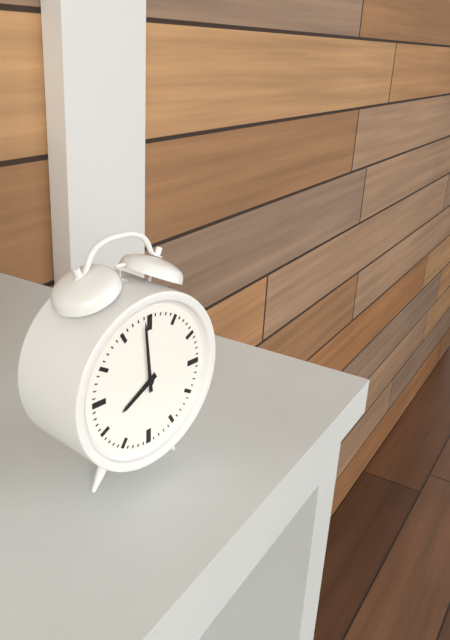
**7:59**
